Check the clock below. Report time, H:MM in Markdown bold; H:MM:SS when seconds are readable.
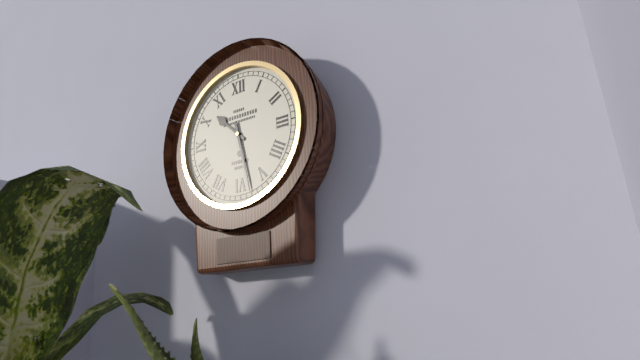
**10:28**
